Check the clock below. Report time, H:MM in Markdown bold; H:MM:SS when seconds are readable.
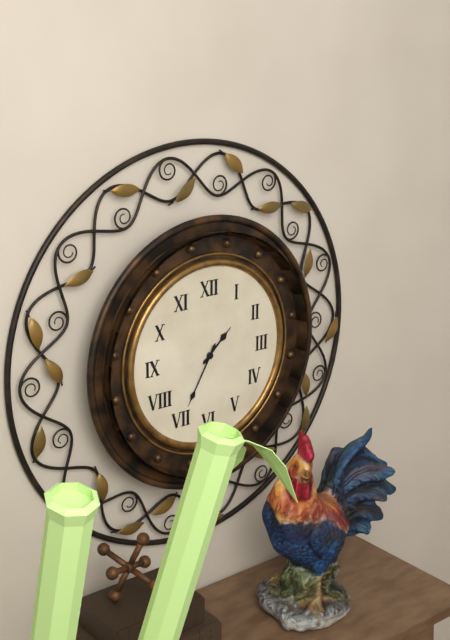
**1:35**
